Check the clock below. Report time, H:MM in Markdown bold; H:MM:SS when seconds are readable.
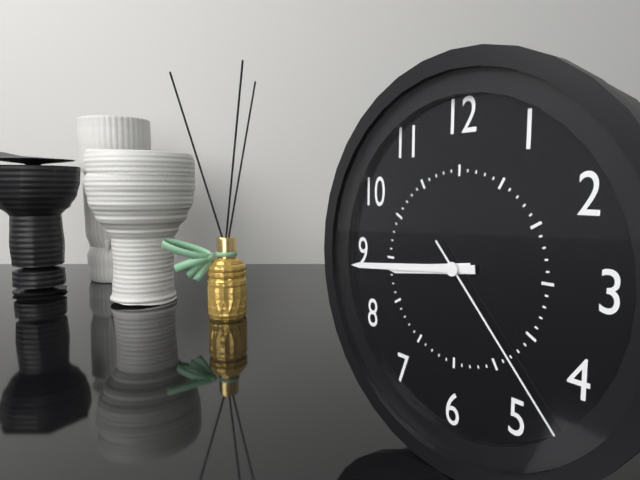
**8:44:23**
